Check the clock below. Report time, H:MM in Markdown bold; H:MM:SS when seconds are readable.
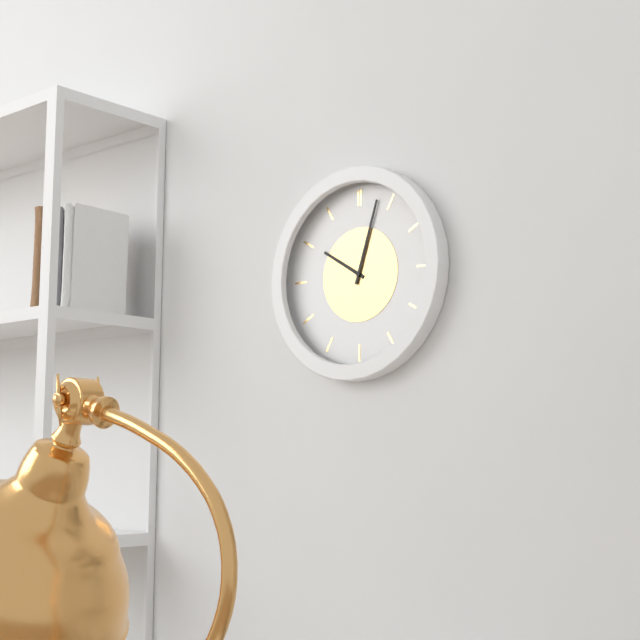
**10:03**
